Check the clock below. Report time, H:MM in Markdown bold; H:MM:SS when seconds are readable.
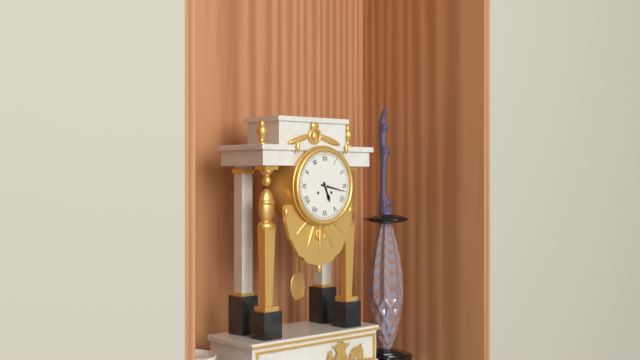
**5:17**
